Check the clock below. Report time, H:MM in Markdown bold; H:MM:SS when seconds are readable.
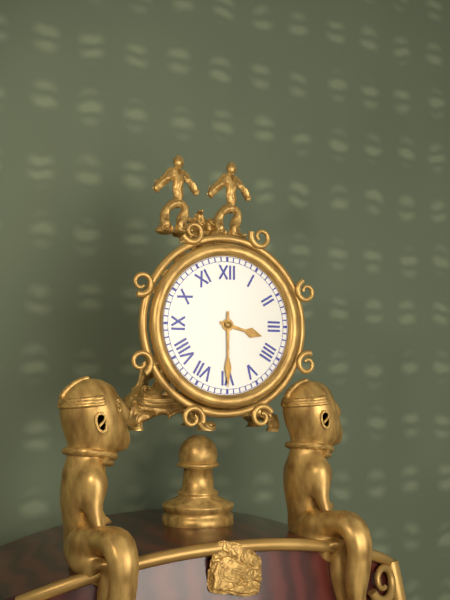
**3:30**
